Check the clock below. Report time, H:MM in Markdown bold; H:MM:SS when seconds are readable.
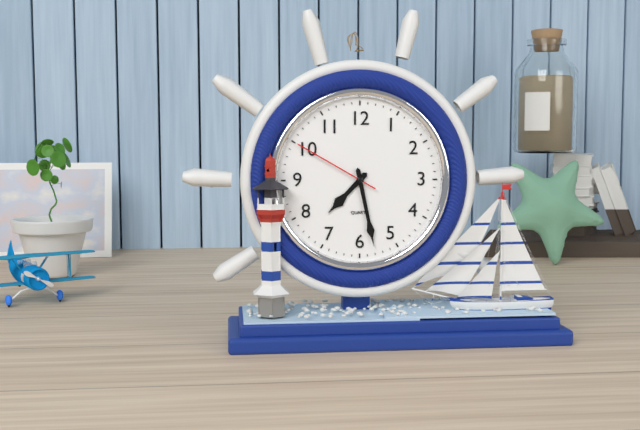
**7:28:50**
